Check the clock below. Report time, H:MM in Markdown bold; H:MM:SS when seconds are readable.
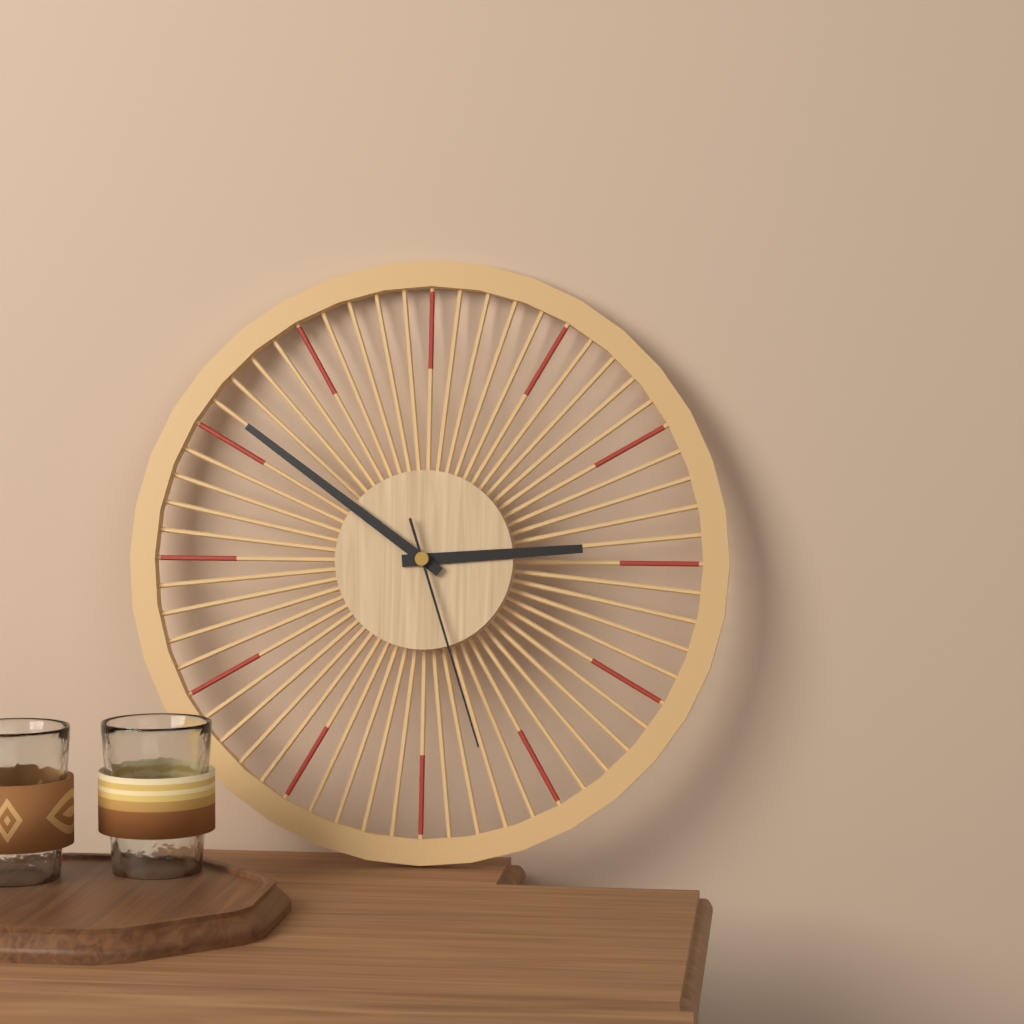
**2:51:27**
